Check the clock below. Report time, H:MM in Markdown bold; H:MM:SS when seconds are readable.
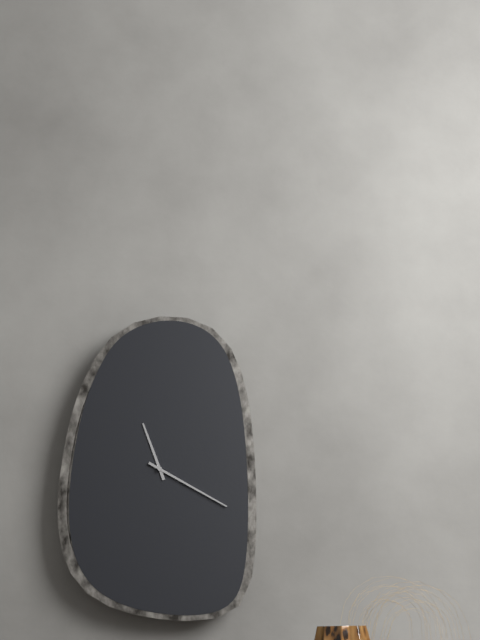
**11:20**
